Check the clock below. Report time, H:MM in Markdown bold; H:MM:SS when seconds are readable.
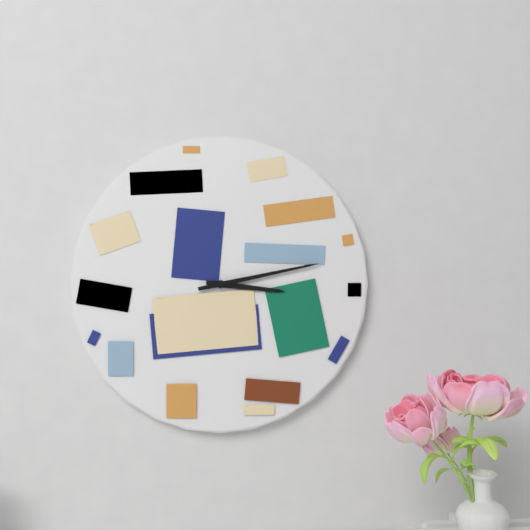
**3:13**
